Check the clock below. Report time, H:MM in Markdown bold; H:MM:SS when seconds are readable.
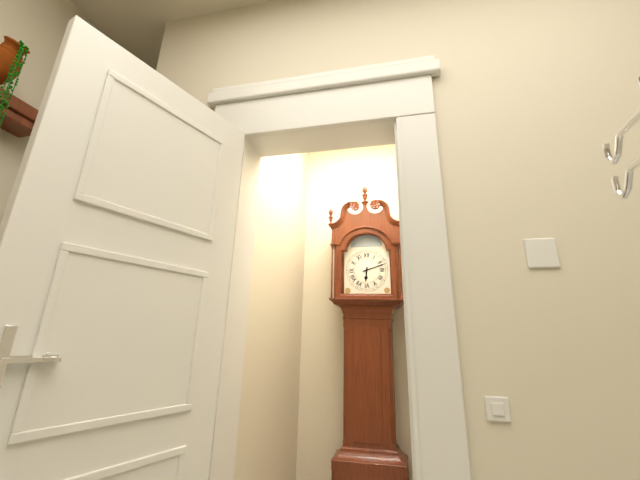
**6:12**
